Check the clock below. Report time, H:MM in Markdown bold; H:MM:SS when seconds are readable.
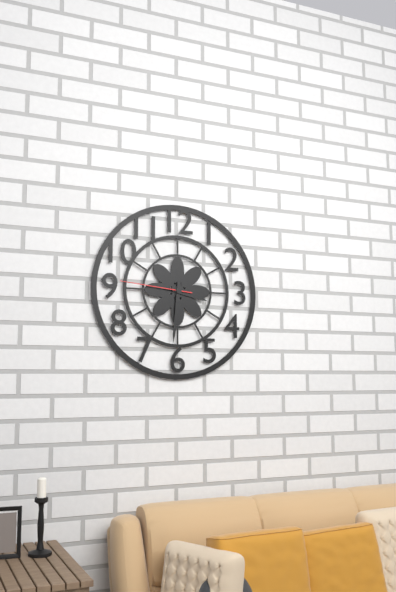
**3:31:46**
